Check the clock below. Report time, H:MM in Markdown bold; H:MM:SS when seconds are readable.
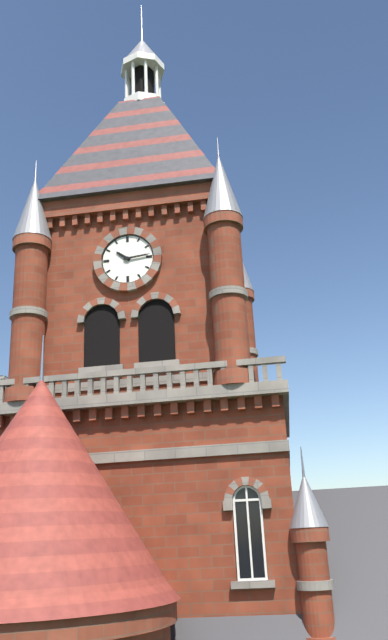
**10:14**
